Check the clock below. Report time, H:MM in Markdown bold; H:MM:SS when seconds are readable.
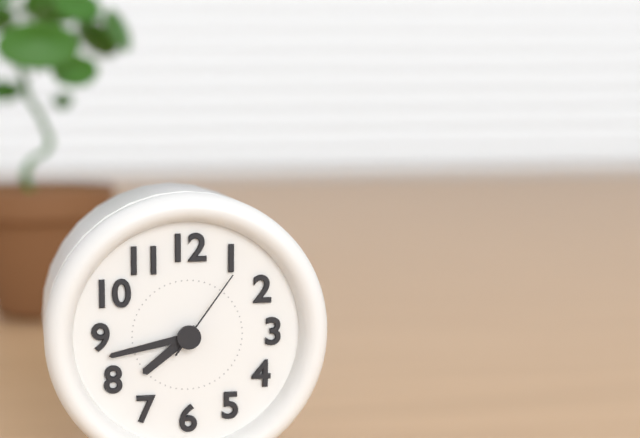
**7:43:06**
